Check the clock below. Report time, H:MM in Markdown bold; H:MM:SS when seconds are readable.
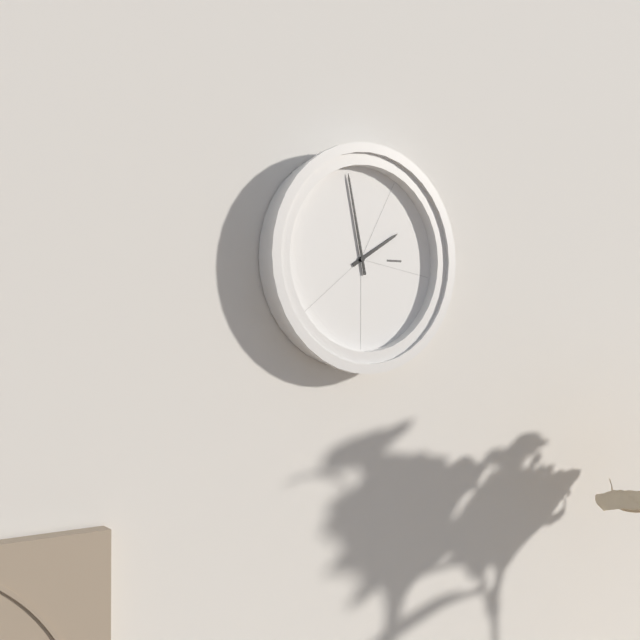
**1:58**
